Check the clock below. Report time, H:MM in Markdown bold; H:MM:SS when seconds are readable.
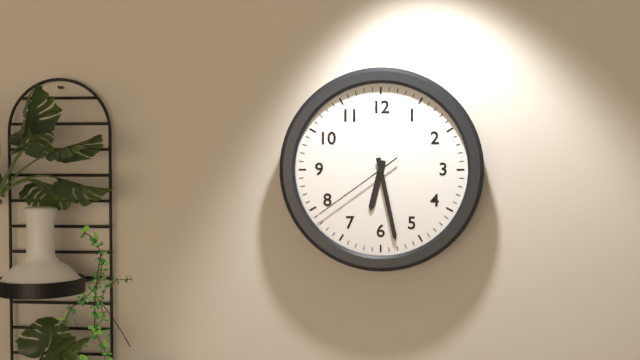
**6:28:39**
